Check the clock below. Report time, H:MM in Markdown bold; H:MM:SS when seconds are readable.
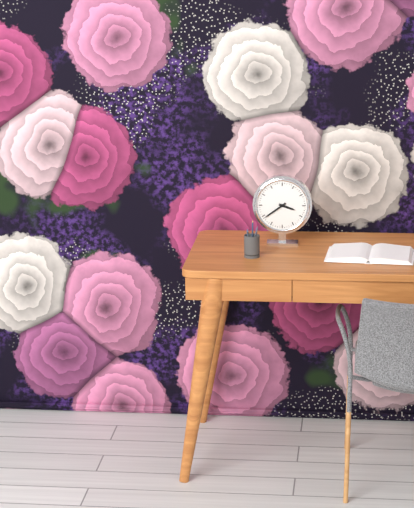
**3:39**
